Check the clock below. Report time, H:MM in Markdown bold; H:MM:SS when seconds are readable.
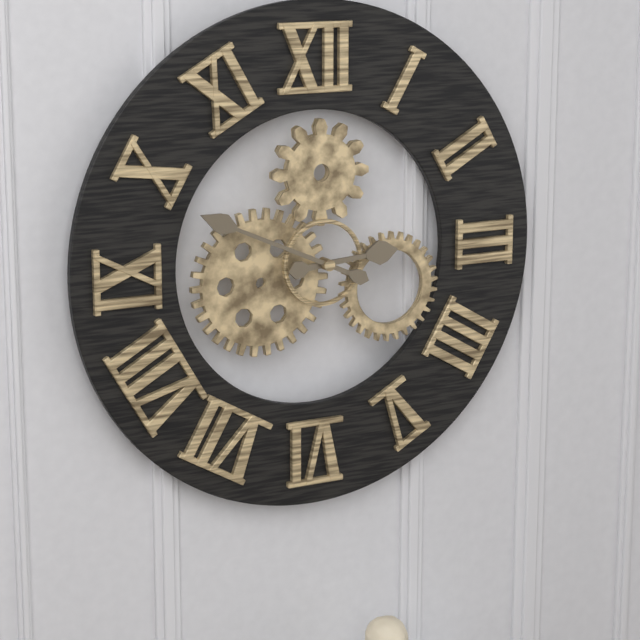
**2:49**
